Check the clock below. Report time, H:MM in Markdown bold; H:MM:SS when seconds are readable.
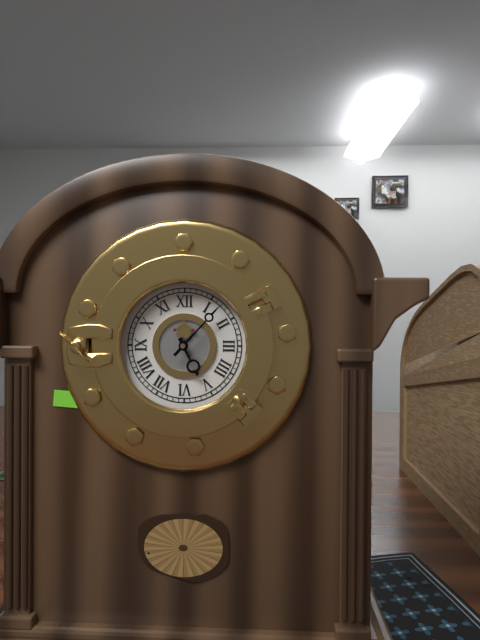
**5:07**
